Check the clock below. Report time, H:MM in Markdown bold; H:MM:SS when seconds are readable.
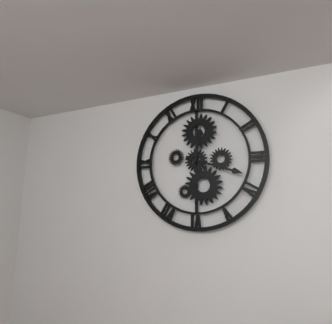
**12:18**
